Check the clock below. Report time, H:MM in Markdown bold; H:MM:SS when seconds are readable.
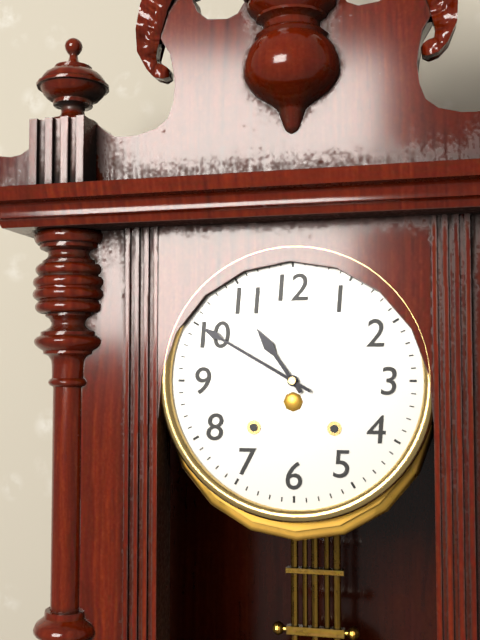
**10:50**
